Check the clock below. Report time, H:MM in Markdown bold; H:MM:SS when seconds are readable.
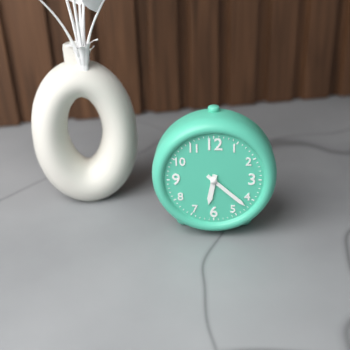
**6:22**
